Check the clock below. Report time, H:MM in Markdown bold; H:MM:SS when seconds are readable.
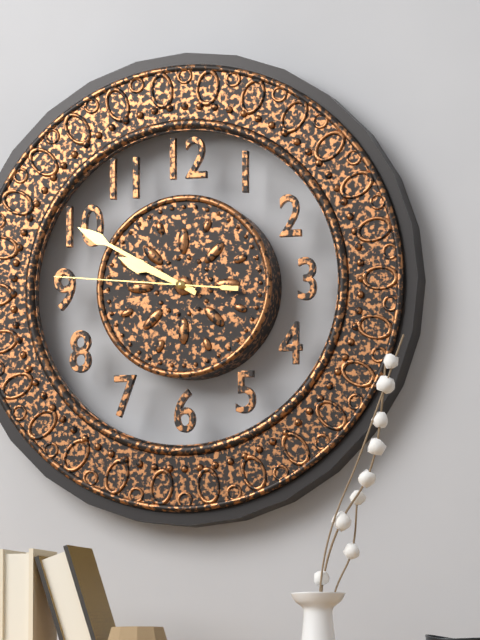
**9:50:46**
